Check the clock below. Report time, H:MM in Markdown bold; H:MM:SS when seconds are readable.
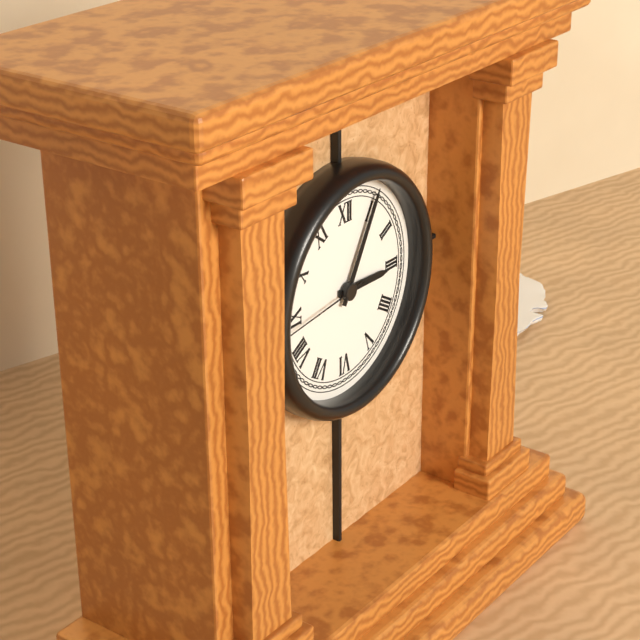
**3:05:44**
